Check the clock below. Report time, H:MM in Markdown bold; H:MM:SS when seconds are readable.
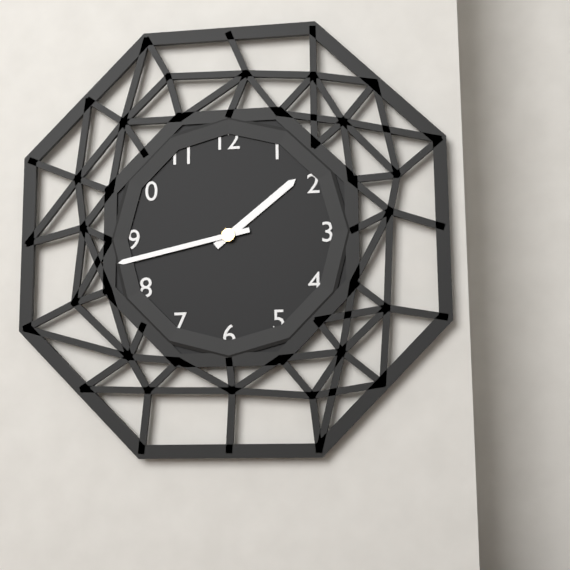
**1:43**
